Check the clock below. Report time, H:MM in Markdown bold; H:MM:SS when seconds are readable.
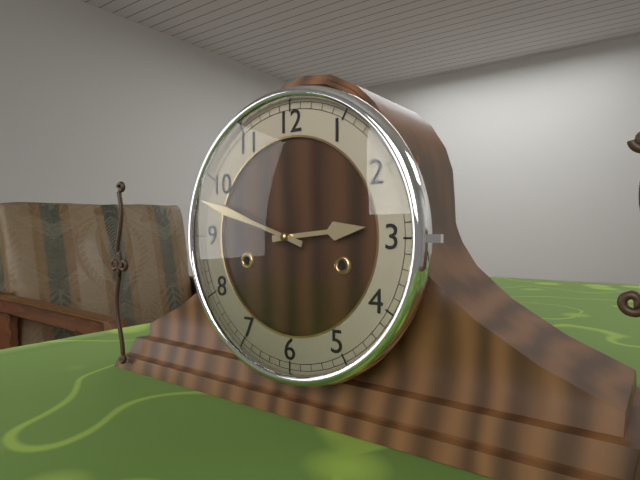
**2:48**
